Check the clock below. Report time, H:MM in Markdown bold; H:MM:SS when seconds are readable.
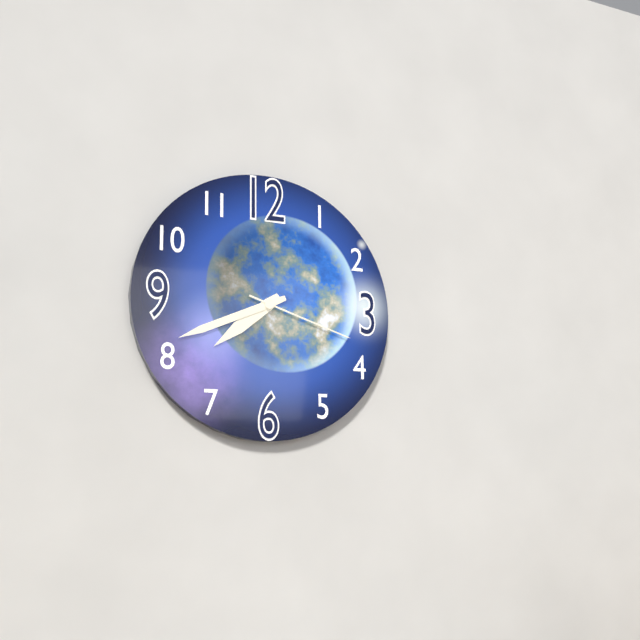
**7:41:18**
